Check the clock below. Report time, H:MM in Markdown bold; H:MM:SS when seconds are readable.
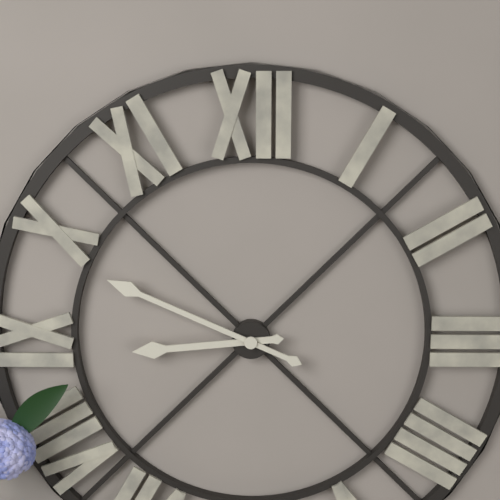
**8:49**
